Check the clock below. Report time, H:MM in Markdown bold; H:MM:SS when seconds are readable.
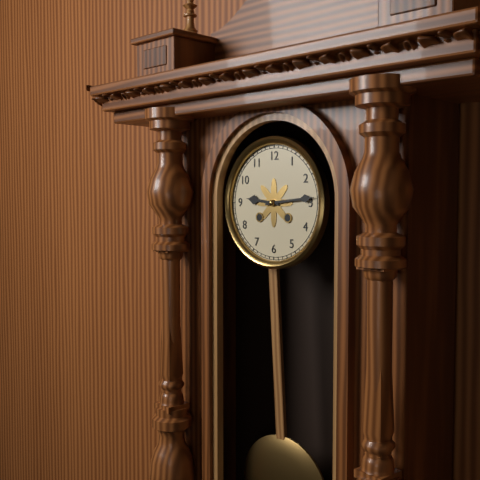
**9:14**
